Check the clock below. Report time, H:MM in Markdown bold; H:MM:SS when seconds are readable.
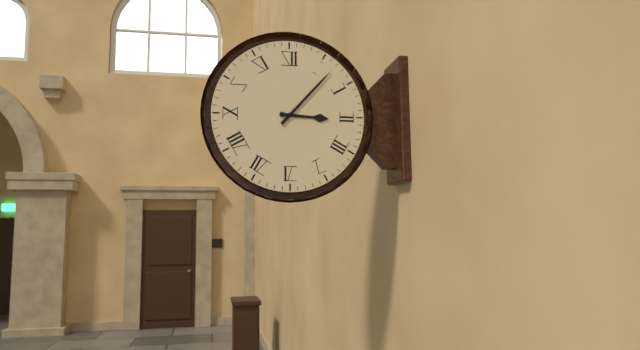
**3:07**
